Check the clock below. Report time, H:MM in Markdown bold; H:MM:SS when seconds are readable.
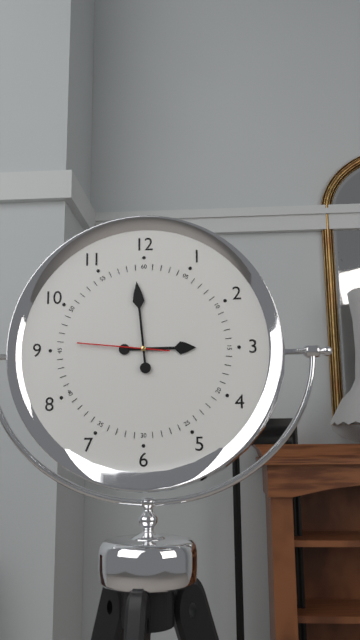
**2:59:46**
